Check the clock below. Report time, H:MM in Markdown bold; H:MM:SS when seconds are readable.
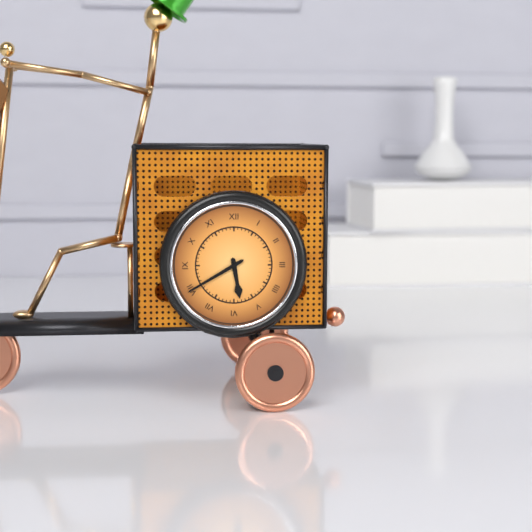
**5:40**
